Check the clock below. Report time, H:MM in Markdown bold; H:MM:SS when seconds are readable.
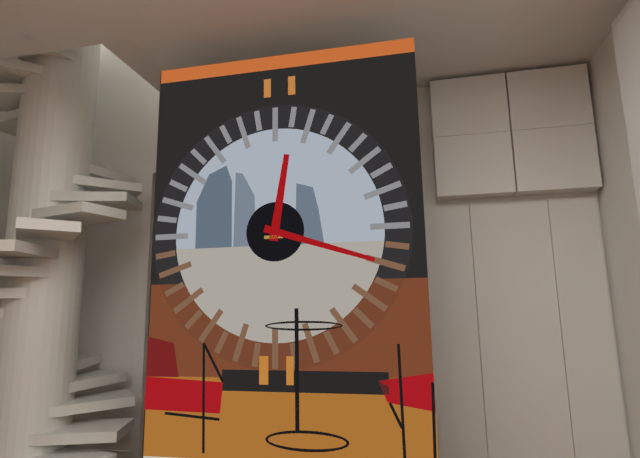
**12:18**
